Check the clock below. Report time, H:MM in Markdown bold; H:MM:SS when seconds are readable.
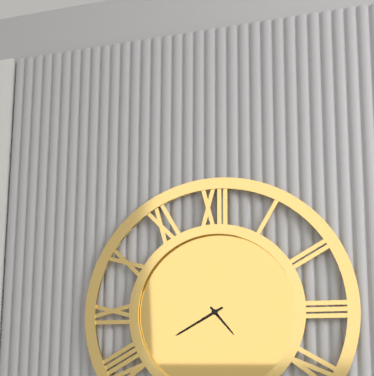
**4:40**
